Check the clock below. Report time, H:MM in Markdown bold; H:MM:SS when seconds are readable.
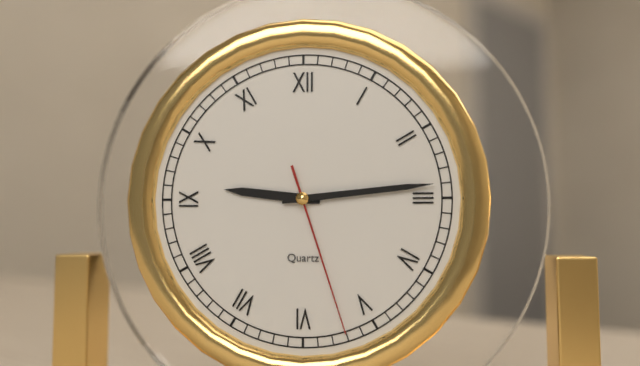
**9:14:27**
